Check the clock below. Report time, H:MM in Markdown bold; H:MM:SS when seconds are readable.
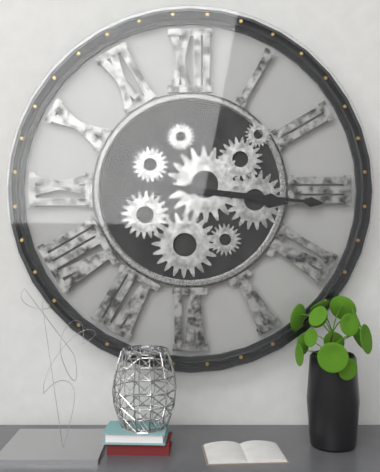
**3:16**
